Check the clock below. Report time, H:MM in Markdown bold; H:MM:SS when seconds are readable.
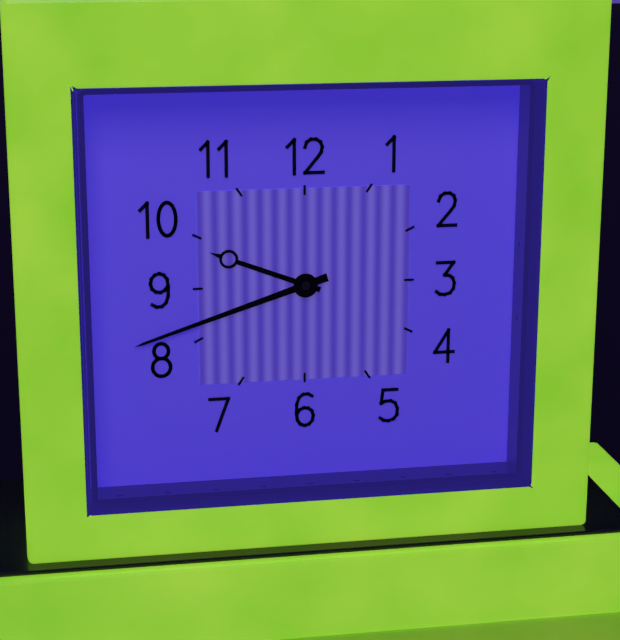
**9:42**
